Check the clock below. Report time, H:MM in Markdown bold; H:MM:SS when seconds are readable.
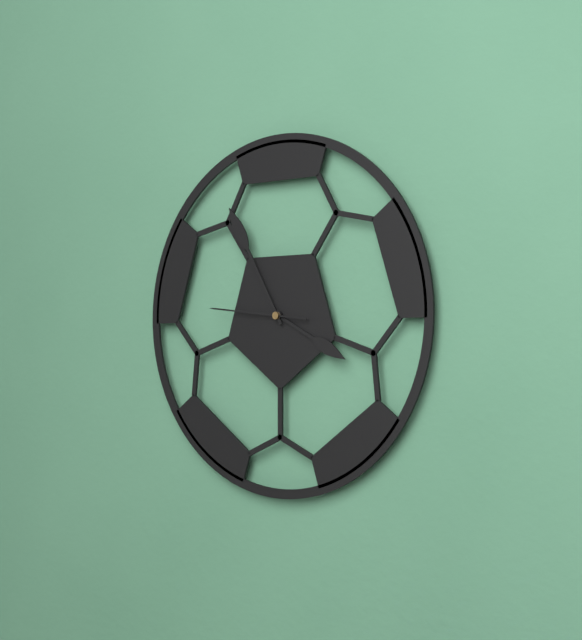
**3:55:46**
